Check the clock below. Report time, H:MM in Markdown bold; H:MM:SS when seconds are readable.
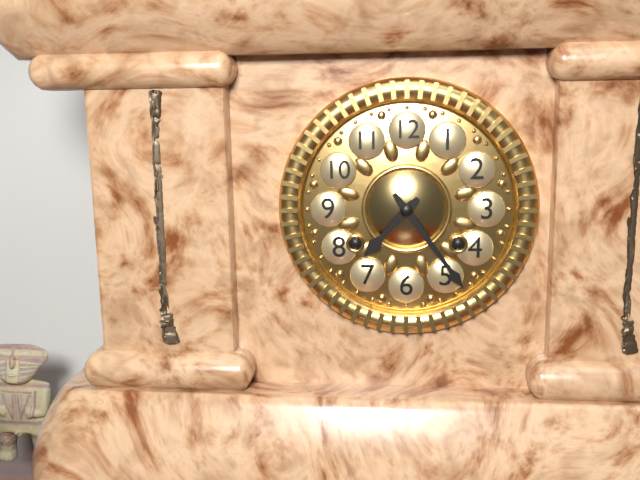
**7:24**
